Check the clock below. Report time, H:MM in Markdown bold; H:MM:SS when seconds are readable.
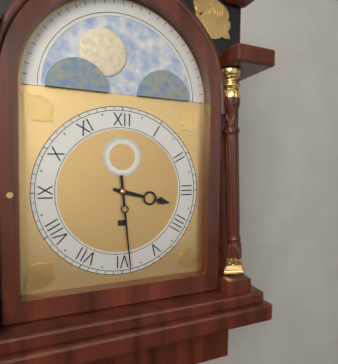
**3:29**
